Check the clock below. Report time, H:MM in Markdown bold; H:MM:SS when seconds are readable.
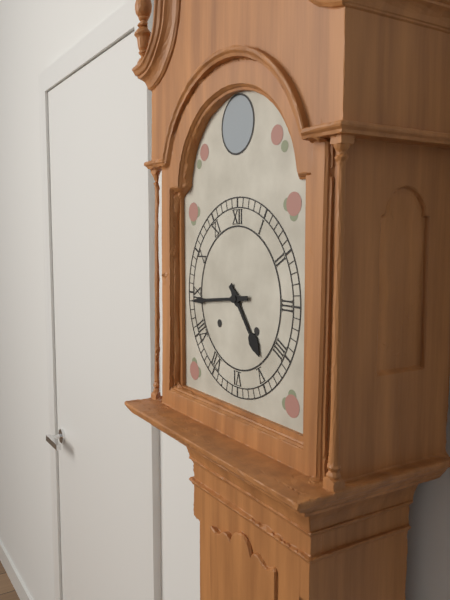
**4:44**
